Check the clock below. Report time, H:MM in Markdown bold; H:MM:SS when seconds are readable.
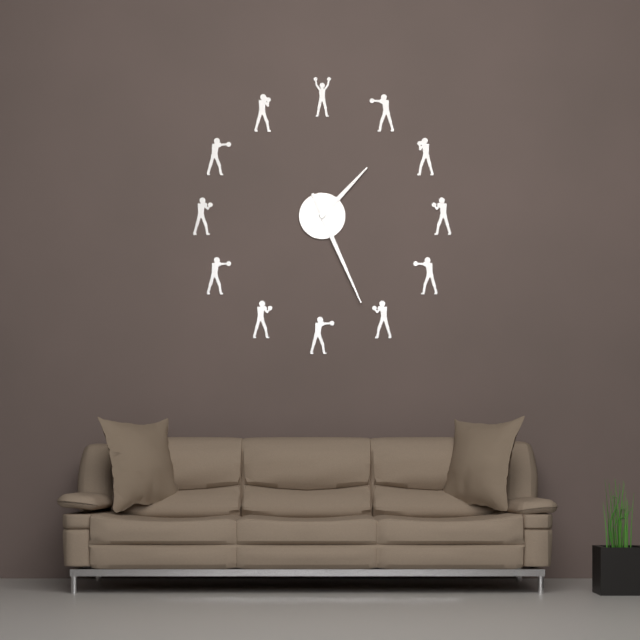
**1:26**
